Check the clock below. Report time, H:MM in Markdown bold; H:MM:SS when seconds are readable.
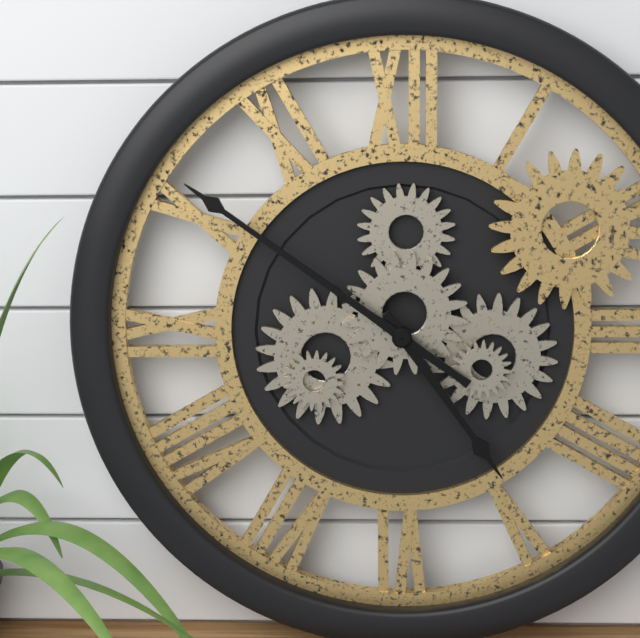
**4:51**
